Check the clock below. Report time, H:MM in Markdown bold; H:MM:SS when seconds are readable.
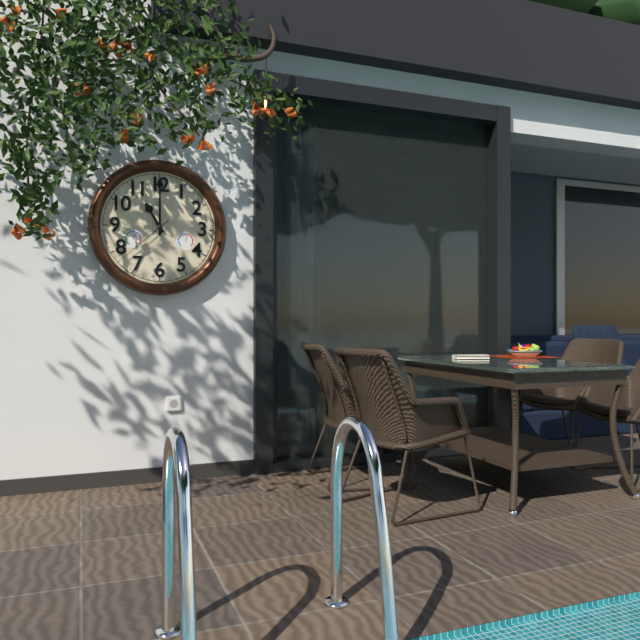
**11:00:38**
